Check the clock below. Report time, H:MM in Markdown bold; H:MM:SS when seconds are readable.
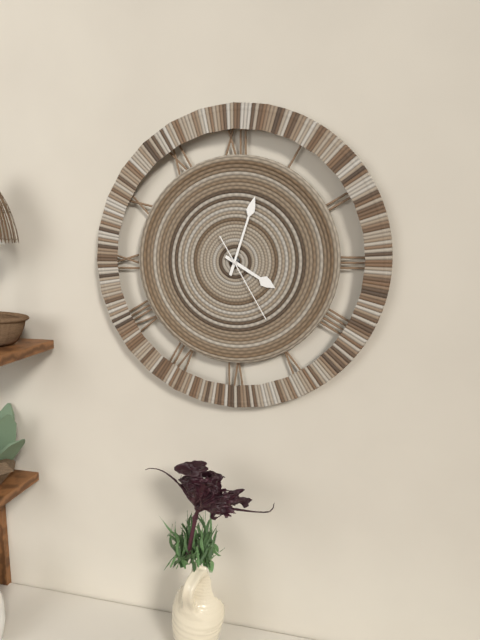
**4:03:25**
